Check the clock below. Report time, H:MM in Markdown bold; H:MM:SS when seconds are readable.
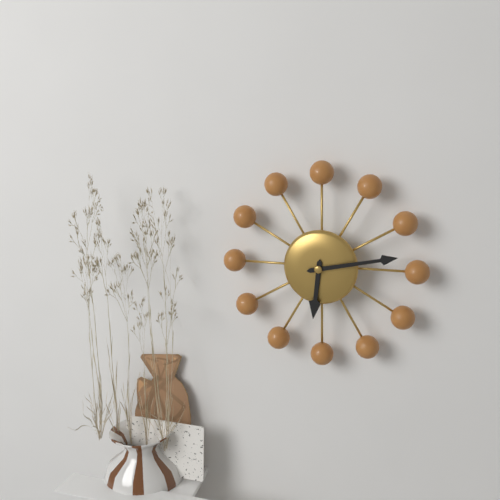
**6:13**
